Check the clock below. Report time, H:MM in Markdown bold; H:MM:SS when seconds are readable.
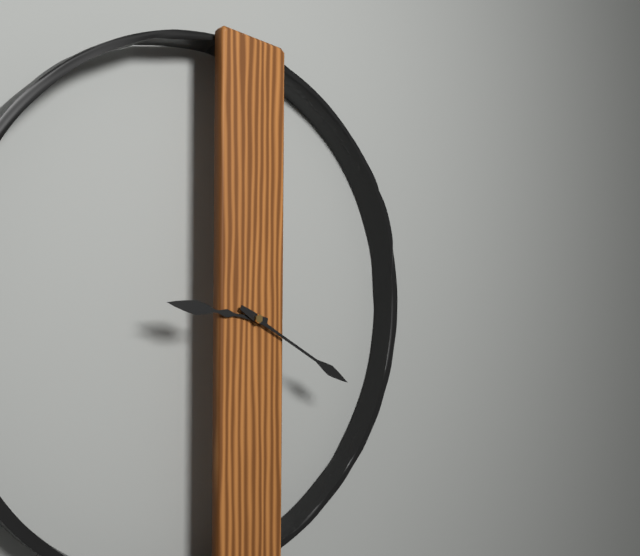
**9:20**
